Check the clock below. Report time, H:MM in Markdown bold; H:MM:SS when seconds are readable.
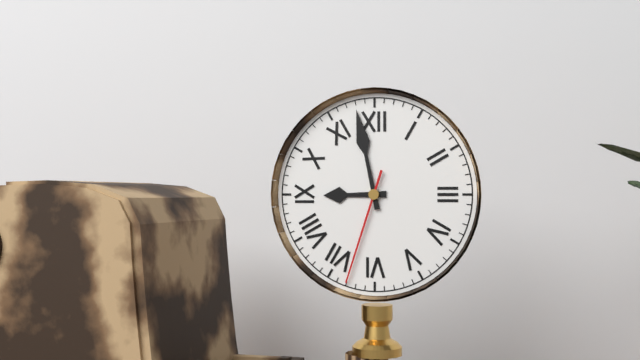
**8:58:33**
